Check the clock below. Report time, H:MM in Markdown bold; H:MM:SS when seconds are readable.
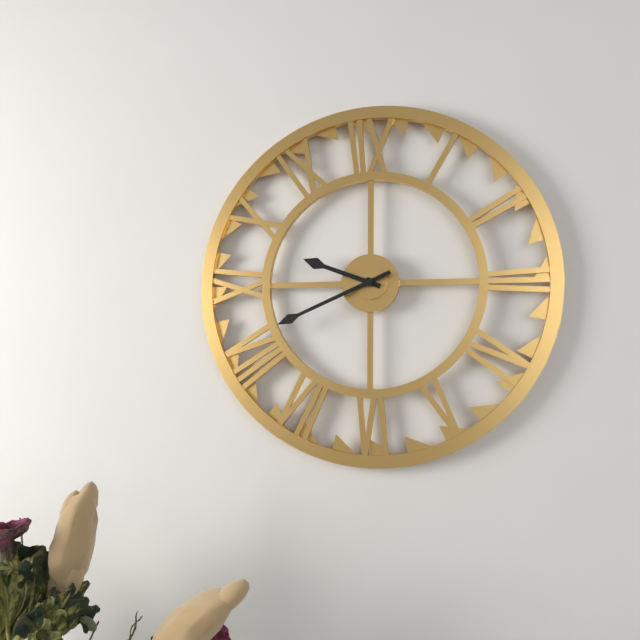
**9:41**
